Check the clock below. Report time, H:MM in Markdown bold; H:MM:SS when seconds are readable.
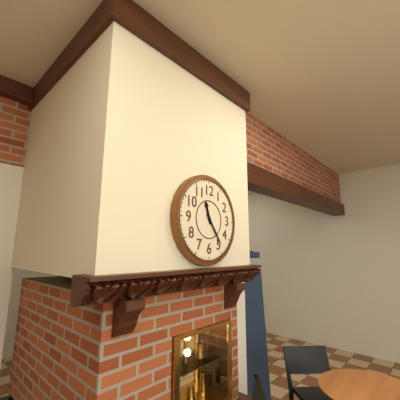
**11:24**
